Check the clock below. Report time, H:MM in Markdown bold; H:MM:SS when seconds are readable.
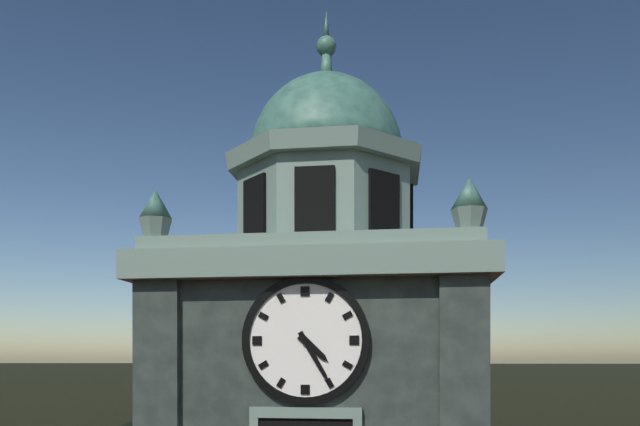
**4:25**
